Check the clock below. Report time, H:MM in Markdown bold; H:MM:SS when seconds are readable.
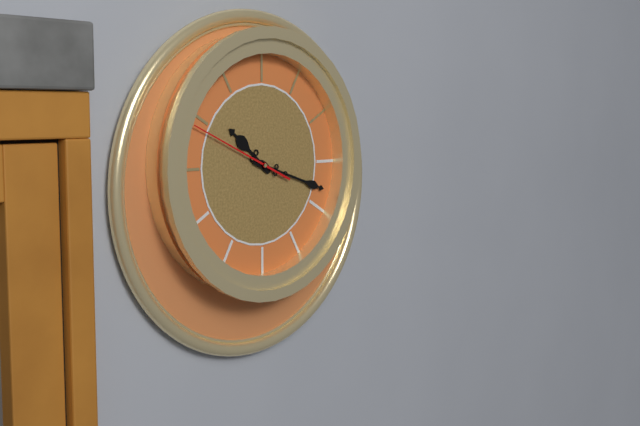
**10:18:49**
